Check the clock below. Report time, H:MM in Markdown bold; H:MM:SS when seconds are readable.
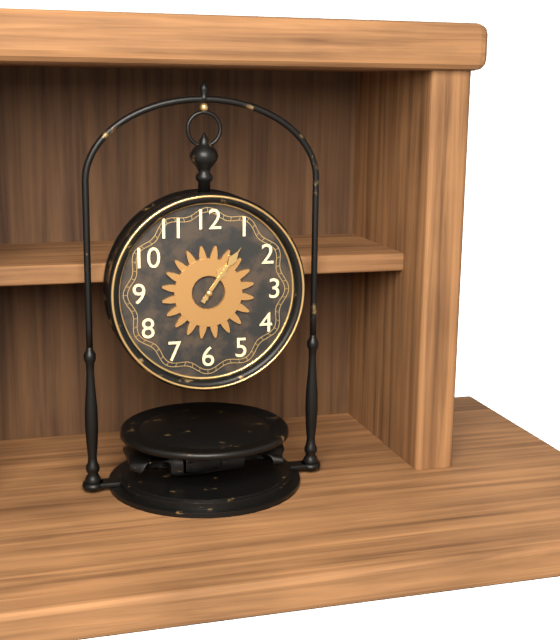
**1:06**
